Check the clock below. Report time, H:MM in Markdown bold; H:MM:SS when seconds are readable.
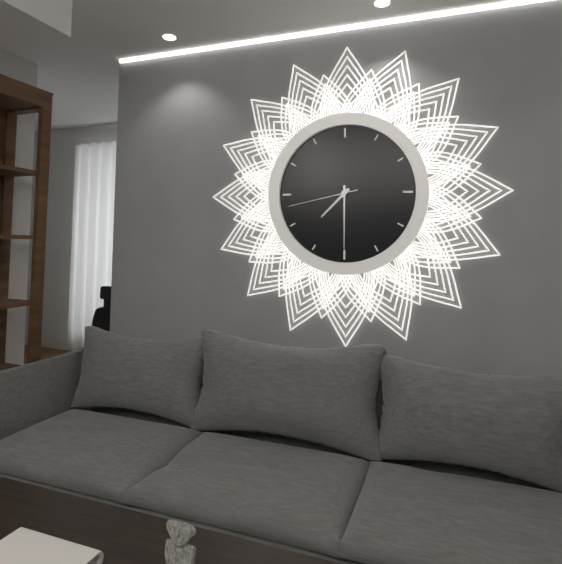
**7:30:43**
